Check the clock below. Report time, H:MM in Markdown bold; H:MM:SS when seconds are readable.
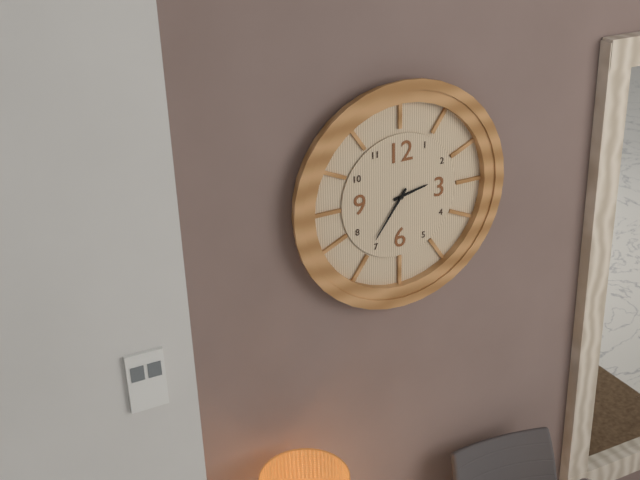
**2:36**
